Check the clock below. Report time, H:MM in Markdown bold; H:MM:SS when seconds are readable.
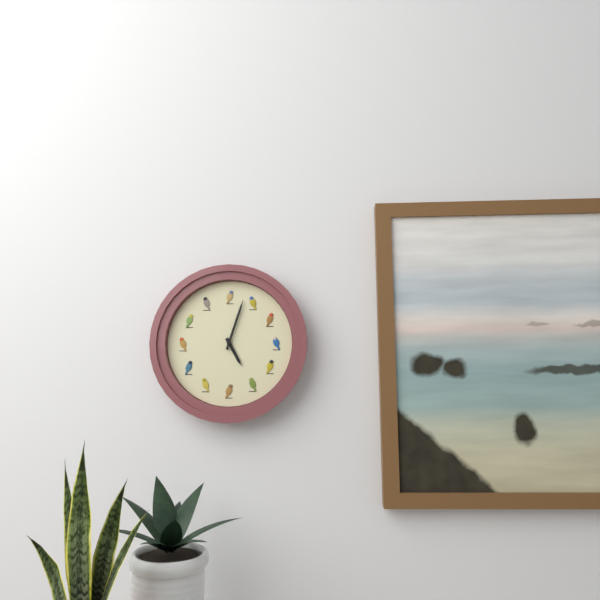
**5:03**
